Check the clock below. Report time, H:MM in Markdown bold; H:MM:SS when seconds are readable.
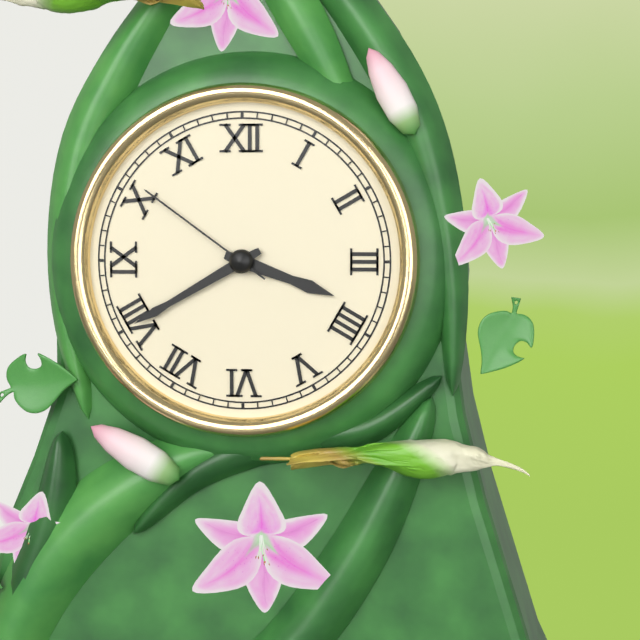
**3:40:51**
